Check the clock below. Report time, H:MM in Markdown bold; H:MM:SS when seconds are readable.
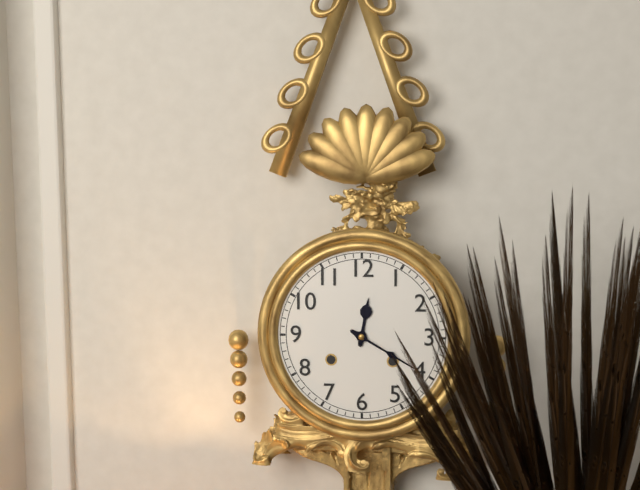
**12:20**
